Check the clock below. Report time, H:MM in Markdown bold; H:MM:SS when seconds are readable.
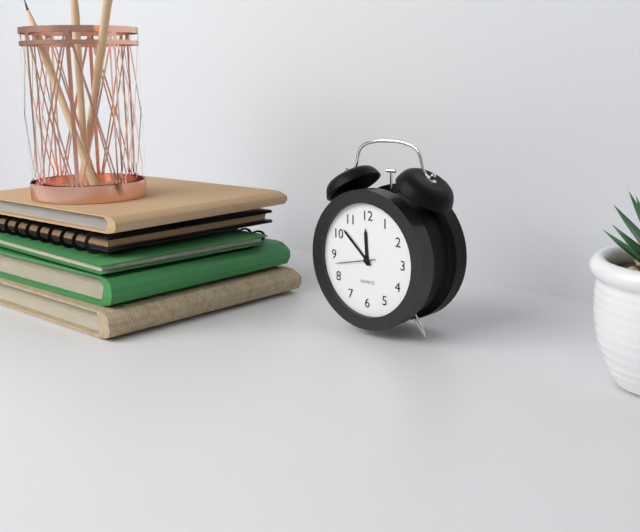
**11:52**
